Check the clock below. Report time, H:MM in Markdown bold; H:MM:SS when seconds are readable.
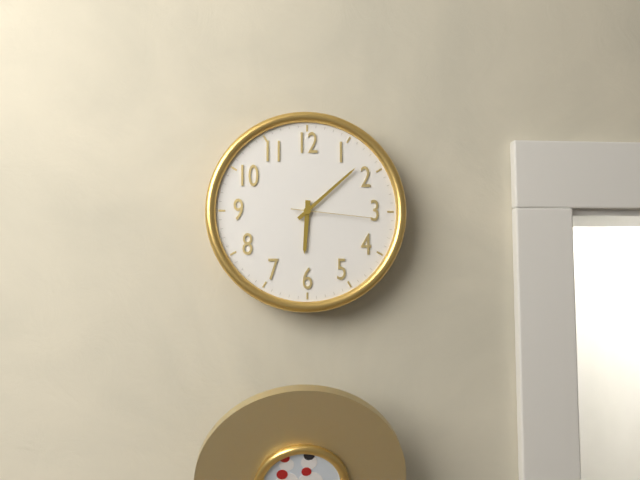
**6:08:16**
